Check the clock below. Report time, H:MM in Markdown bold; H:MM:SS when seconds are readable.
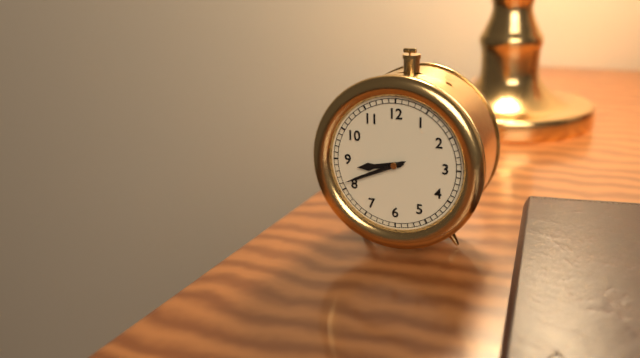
**8:41**
